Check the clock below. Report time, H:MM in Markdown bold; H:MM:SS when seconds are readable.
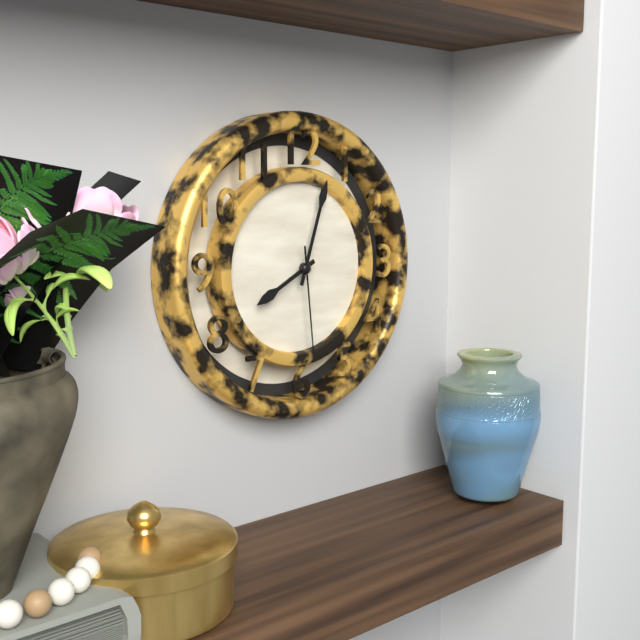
**8:03:29**
